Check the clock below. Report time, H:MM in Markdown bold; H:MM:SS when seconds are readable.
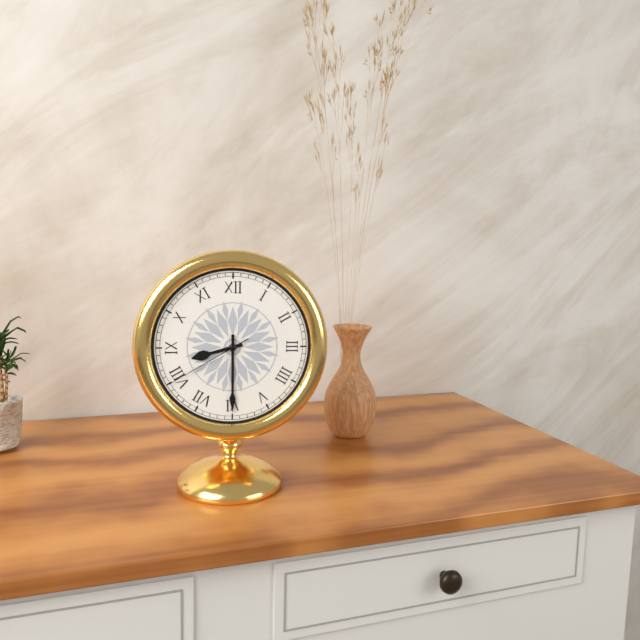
**8:30:40**
